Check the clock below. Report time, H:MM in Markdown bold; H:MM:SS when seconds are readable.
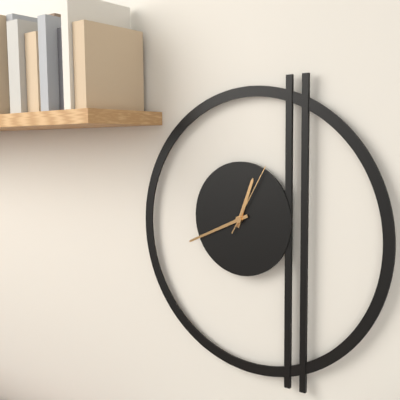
**12:41:05**
